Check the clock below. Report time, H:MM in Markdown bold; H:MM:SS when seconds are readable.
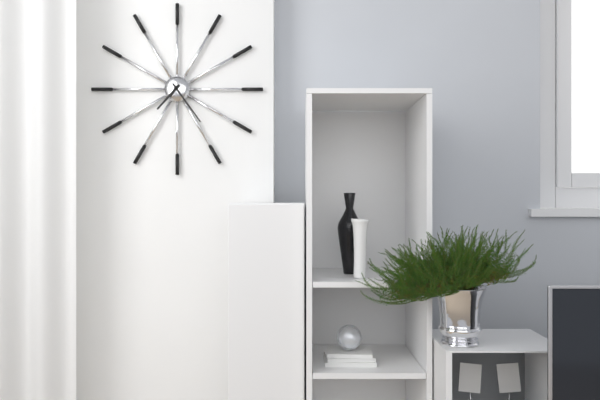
**7:24**
